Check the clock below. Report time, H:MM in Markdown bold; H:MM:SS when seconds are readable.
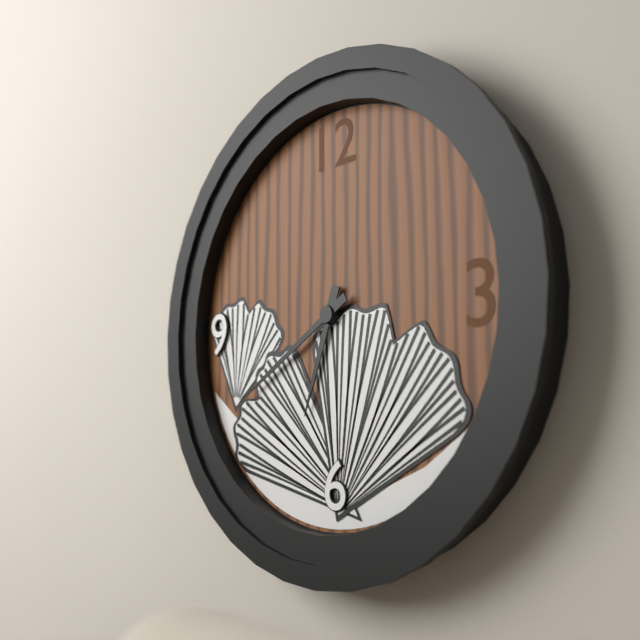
**6:40**
